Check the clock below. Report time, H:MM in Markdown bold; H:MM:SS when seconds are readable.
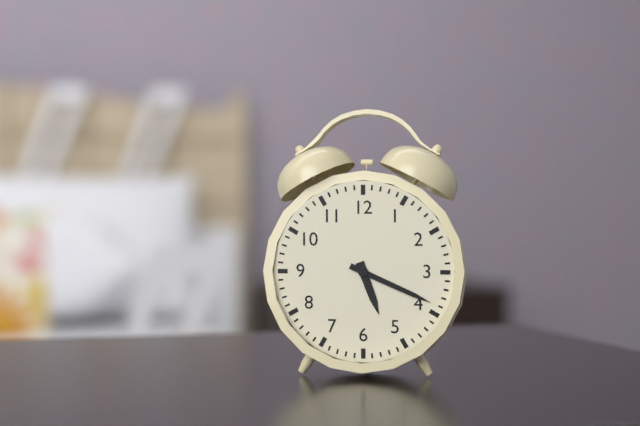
**5:19**
